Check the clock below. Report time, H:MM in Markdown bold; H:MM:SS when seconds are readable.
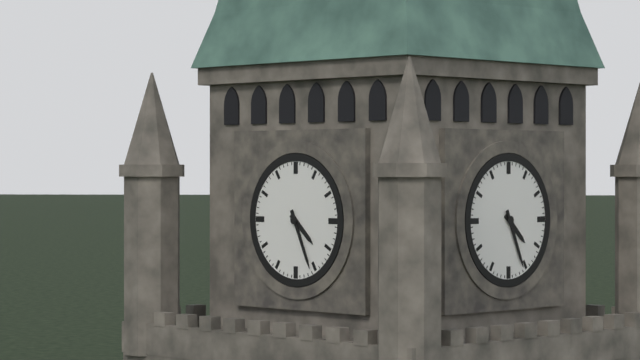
**4:26**
